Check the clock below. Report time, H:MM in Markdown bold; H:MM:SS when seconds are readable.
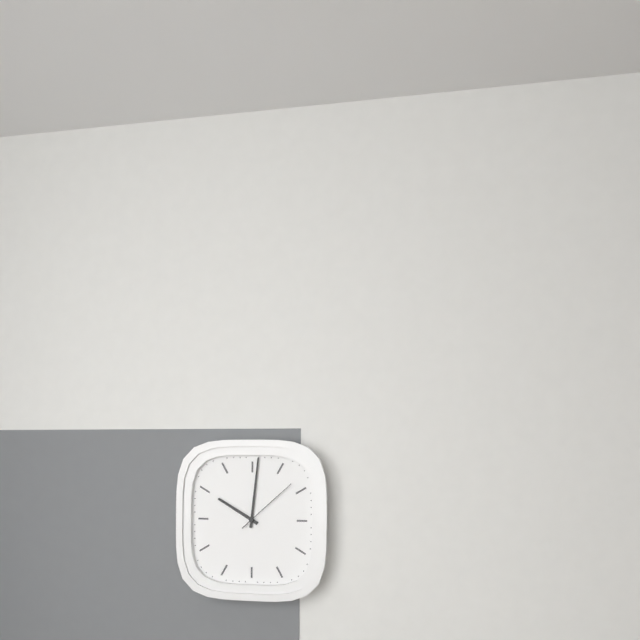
**10:01:08**
